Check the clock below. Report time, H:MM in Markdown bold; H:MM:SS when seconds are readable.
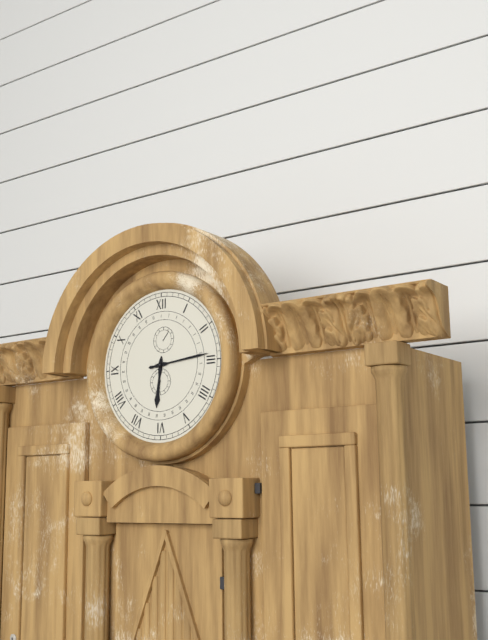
**6:14**
